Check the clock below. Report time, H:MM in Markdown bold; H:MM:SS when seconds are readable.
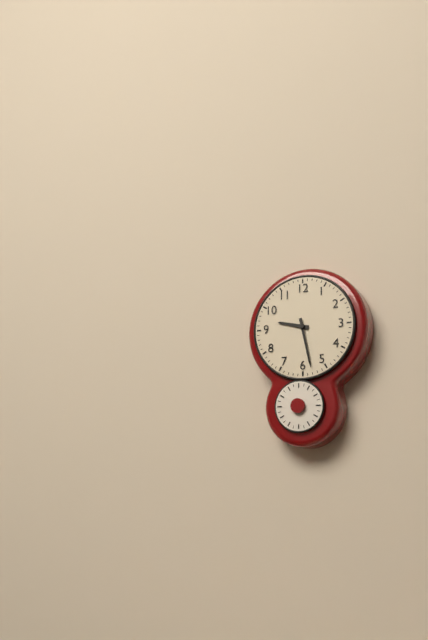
**9:28**
